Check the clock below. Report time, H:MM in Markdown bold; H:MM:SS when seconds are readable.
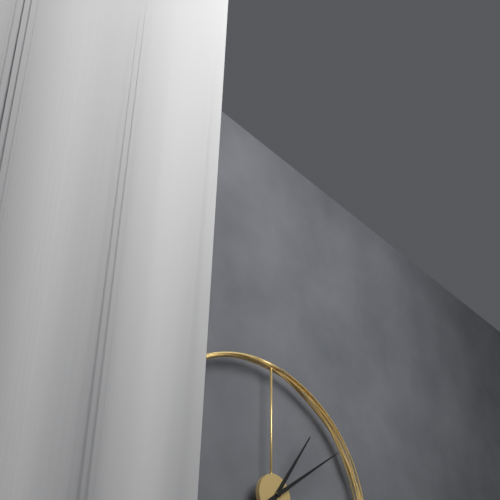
**1:09**
